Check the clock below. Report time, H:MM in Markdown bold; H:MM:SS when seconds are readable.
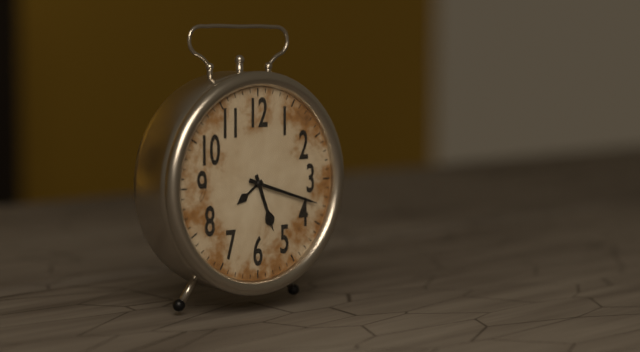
**5:18**
